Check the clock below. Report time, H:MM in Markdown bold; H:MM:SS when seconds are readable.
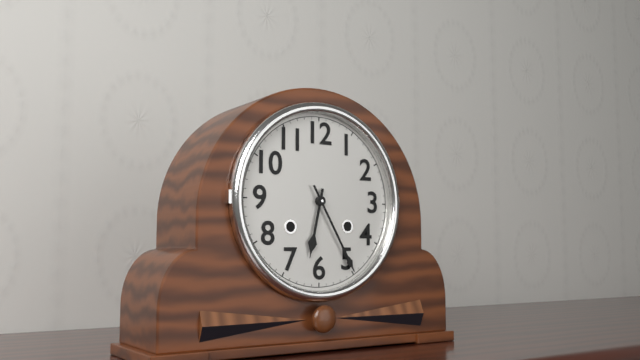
**6:25**
